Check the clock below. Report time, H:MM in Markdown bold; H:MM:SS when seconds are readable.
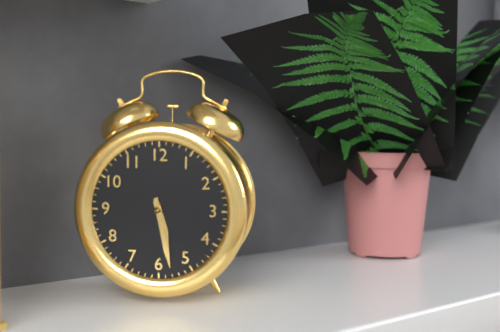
**5:28**
